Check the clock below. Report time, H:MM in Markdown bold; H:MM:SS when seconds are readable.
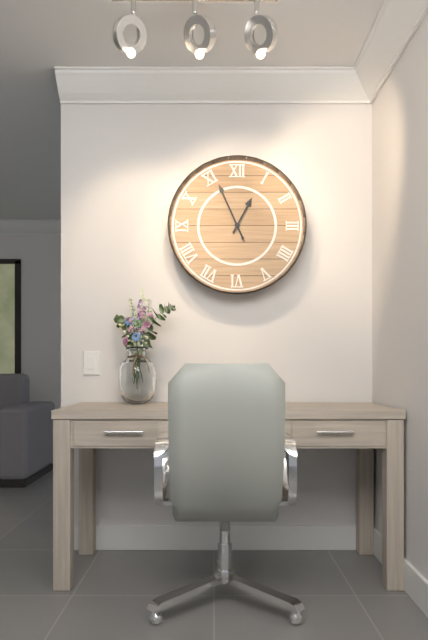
**12:56**
